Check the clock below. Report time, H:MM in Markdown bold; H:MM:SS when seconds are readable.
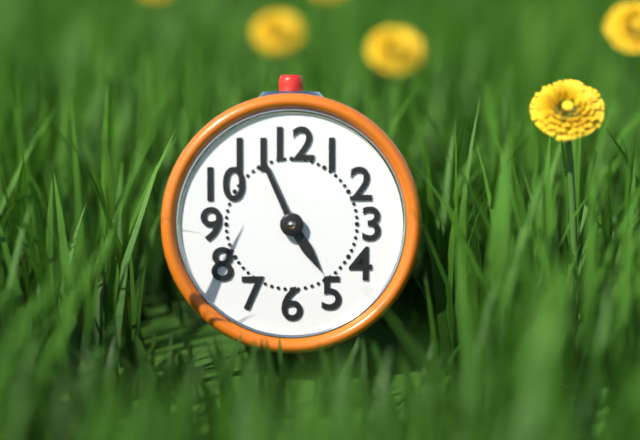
**4:56**
